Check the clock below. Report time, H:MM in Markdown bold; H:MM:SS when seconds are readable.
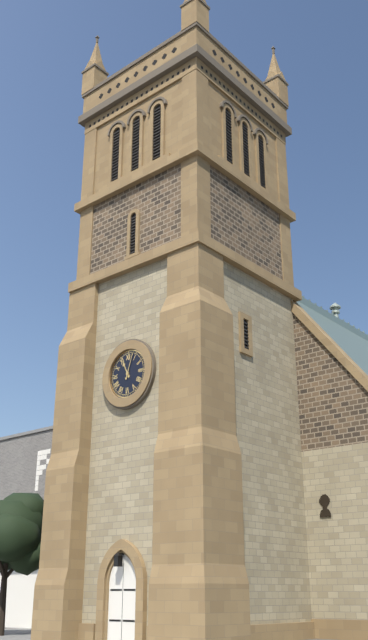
**11:03**
